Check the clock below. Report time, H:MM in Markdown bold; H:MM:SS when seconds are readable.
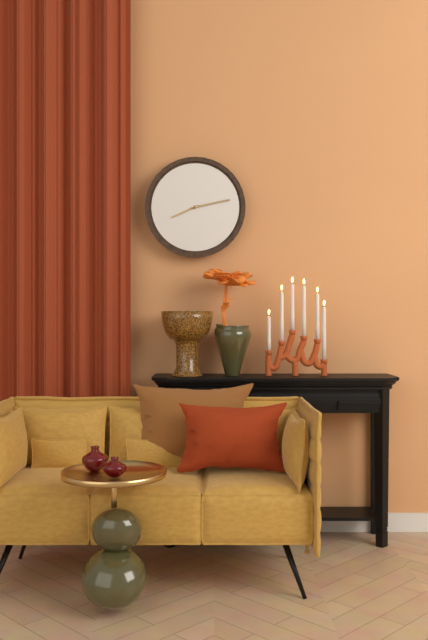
**8:13**
